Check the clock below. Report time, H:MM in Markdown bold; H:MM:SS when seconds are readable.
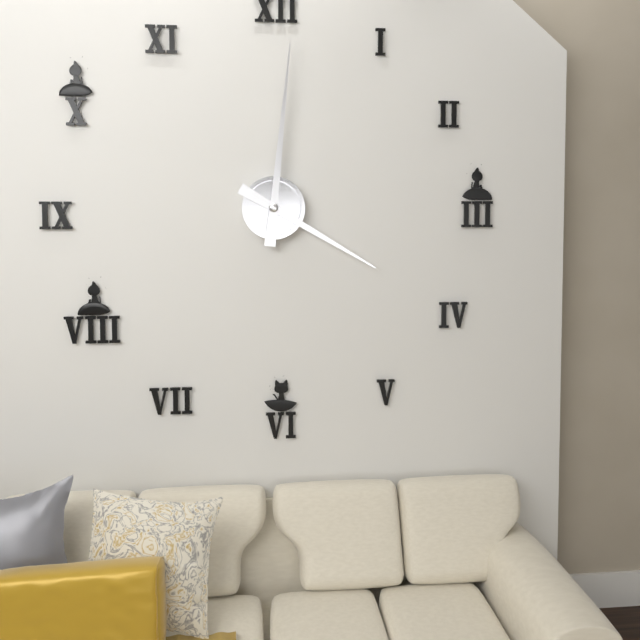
**4:01**
